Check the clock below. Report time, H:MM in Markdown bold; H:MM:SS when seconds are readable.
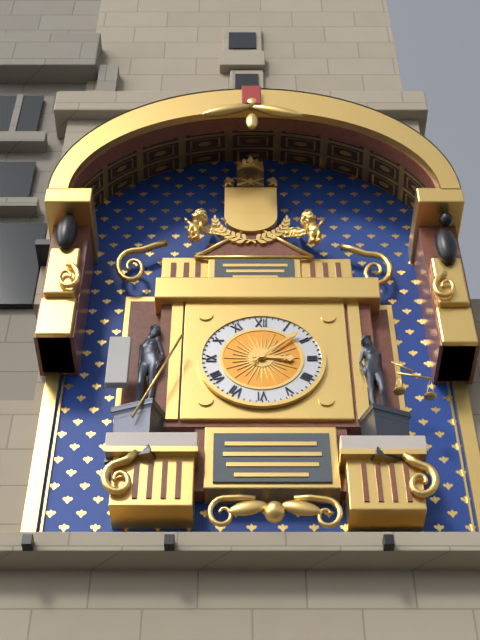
**3:08**
